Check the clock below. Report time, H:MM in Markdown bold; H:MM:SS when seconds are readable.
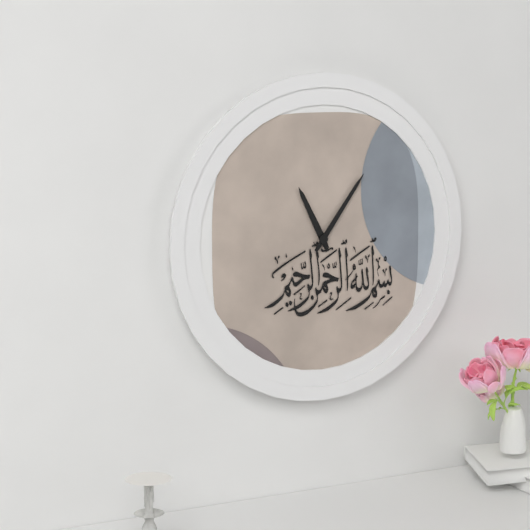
**11:06**
